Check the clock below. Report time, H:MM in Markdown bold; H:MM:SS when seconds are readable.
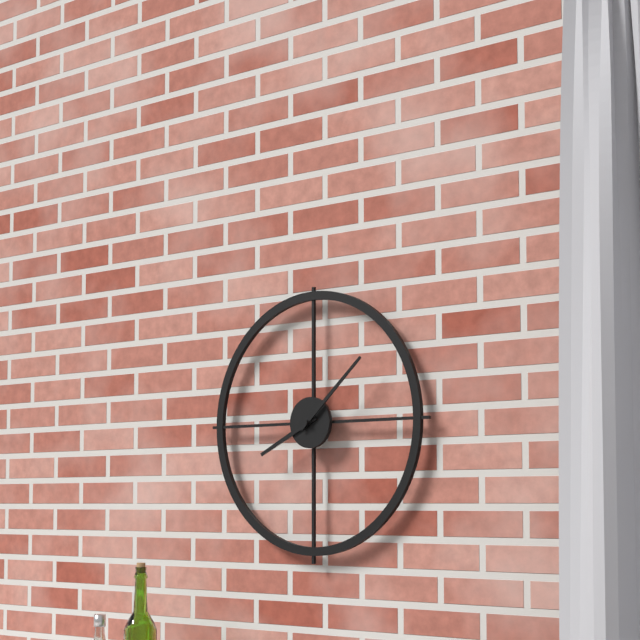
**8:08**
